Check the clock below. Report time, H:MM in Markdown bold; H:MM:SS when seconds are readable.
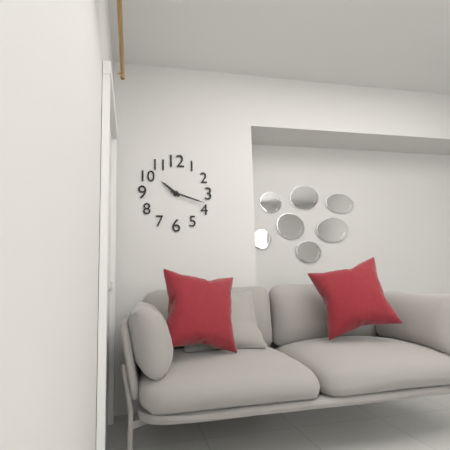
**10:18**
